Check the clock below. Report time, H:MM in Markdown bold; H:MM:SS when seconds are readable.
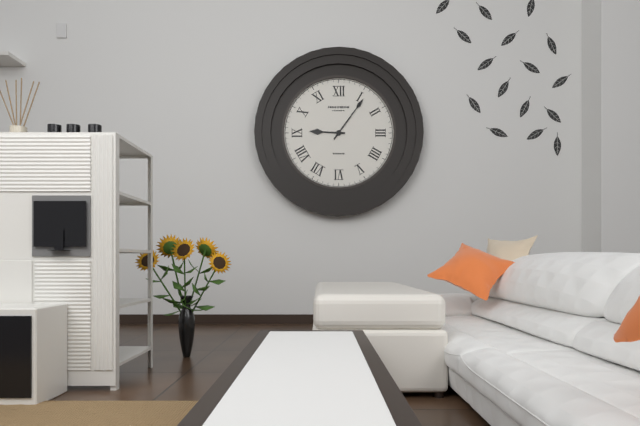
**9:06**
